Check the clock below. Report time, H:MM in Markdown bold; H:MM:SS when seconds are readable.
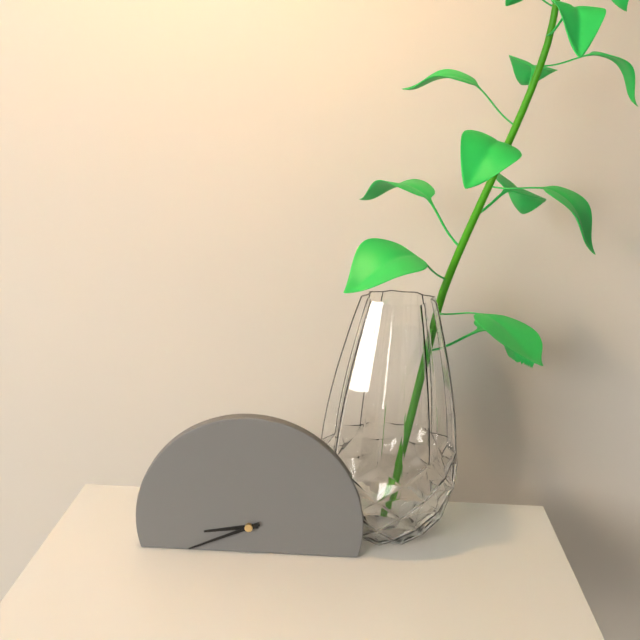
**8:41**
